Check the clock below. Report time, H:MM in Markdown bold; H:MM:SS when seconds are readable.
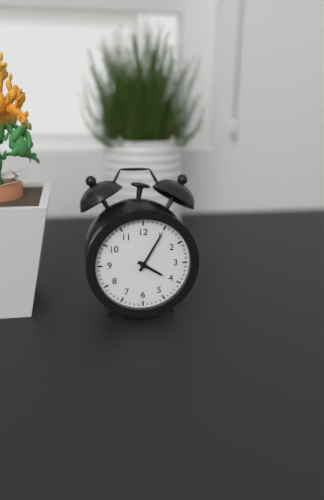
**4:05**
